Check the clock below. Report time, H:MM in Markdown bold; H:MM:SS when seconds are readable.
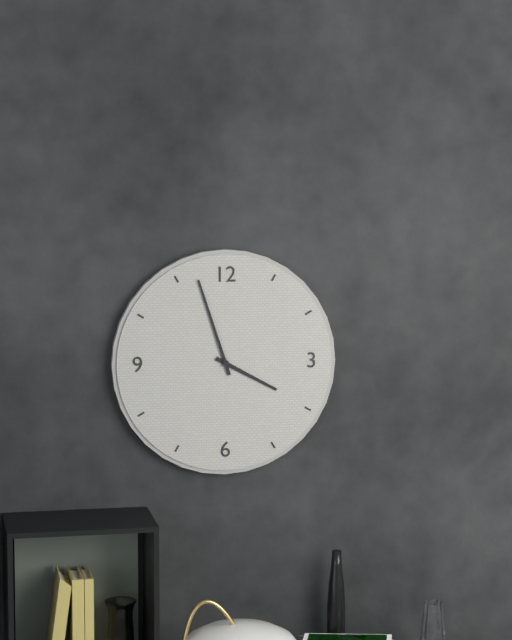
**3:57**
